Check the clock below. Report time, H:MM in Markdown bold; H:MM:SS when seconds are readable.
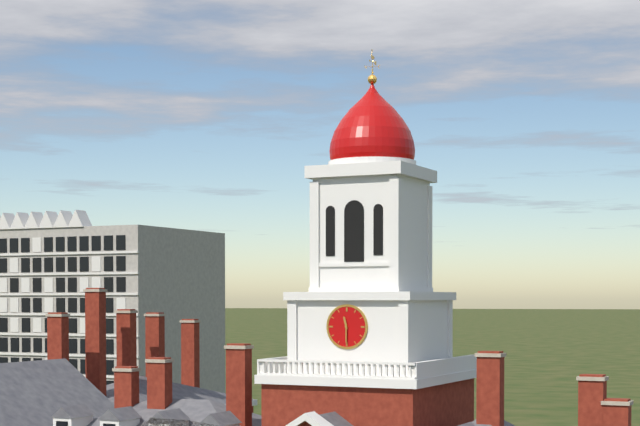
**11:30**
